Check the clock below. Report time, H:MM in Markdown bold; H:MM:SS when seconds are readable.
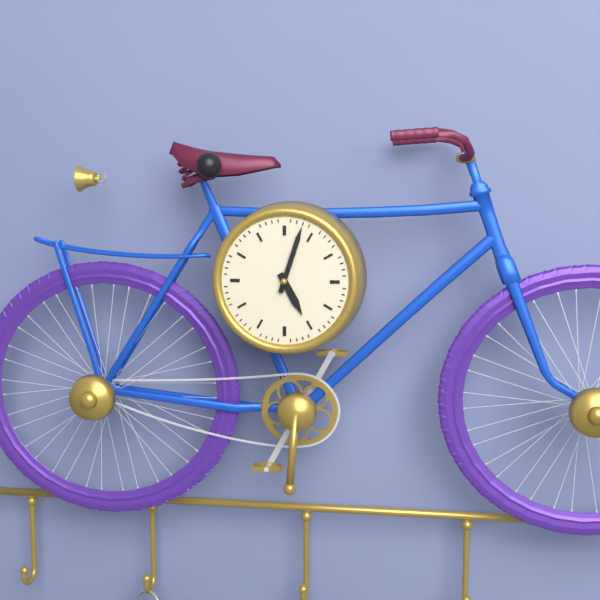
**5:03**
